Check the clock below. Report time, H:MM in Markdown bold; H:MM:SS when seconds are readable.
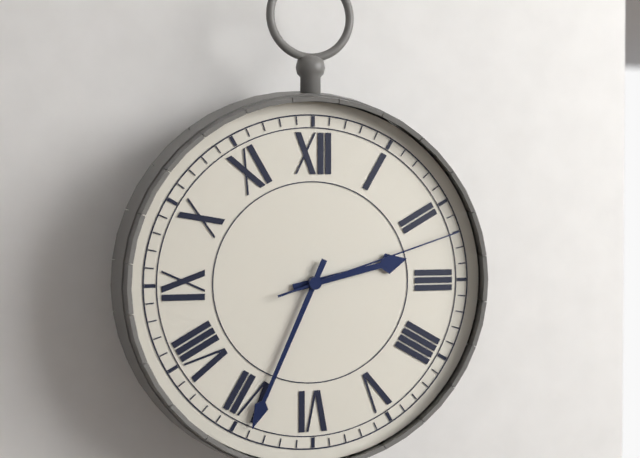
**2:34:12**
